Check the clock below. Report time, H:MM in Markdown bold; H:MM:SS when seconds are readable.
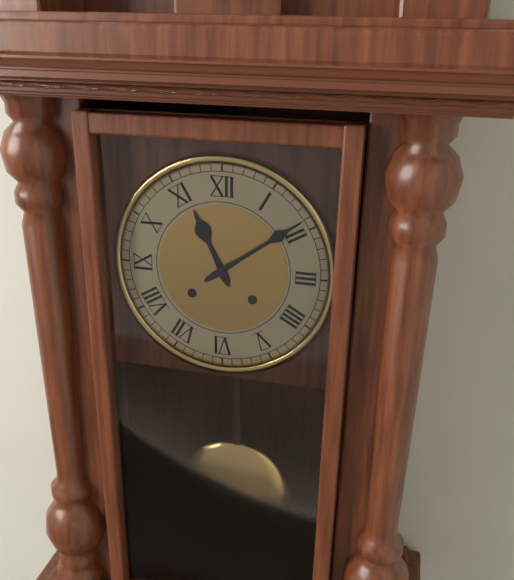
**11:09**
